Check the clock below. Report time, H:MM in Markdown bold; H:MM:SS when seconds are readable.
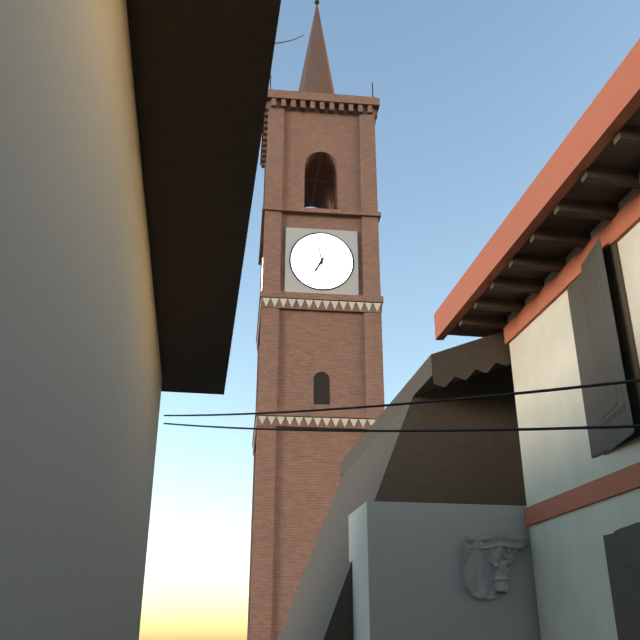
**6:58**
